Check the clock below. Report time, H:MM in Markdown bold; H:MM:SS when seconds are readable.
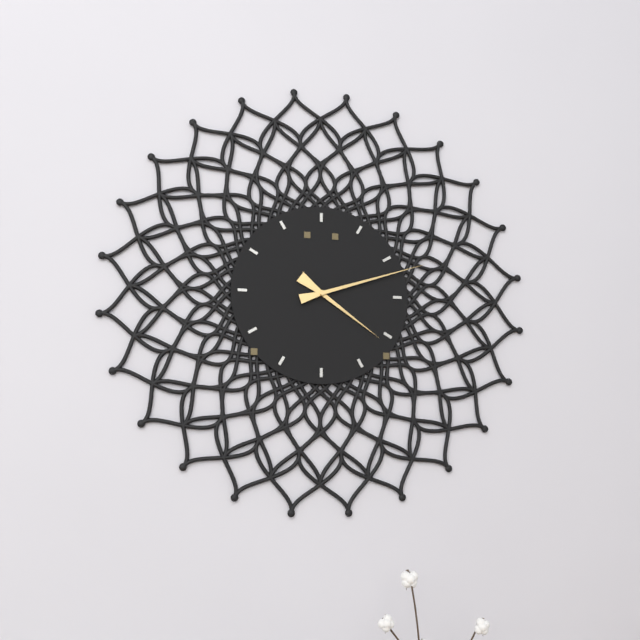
**4:12**
